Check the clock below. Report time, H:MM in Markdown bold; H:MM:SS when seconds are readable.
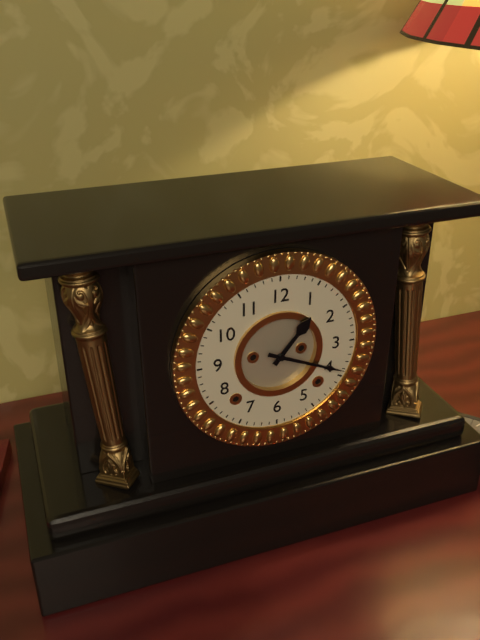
**1:19**
